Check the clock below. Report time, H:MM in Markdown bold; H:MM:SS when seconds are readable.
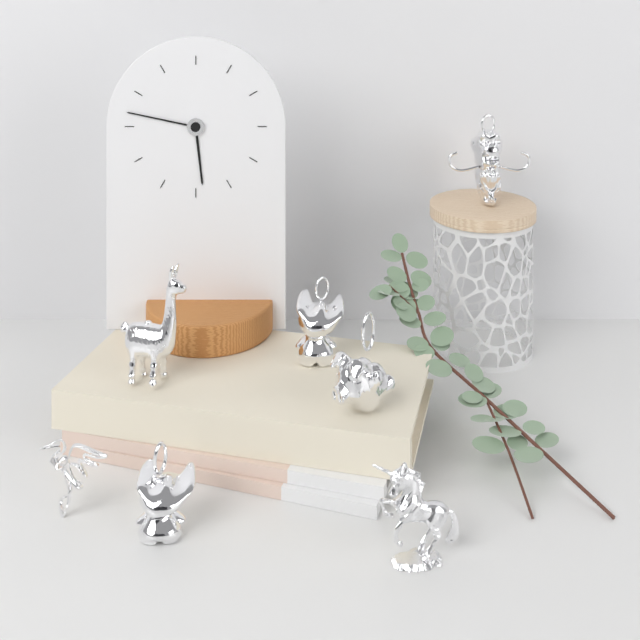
**5:47**
